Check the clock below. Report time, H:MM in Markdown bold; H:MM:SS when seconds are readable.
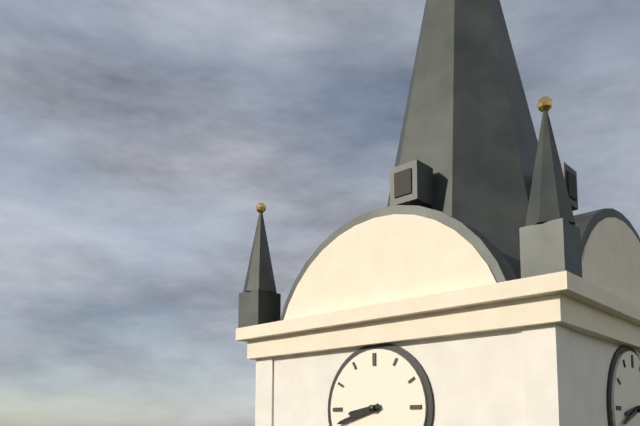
**8:42**
